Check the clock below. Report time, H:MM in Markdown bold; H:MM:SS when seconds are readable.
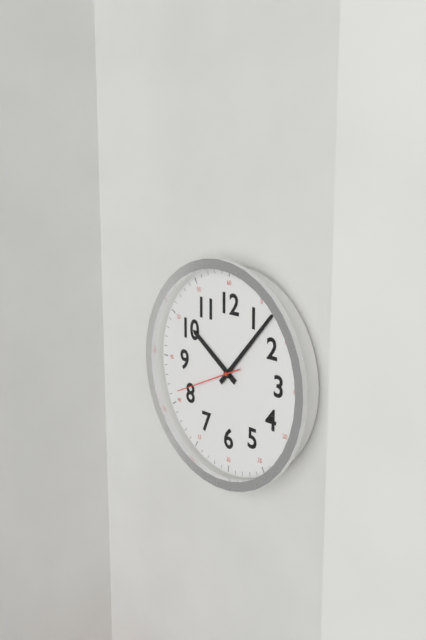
**10:07:41**
